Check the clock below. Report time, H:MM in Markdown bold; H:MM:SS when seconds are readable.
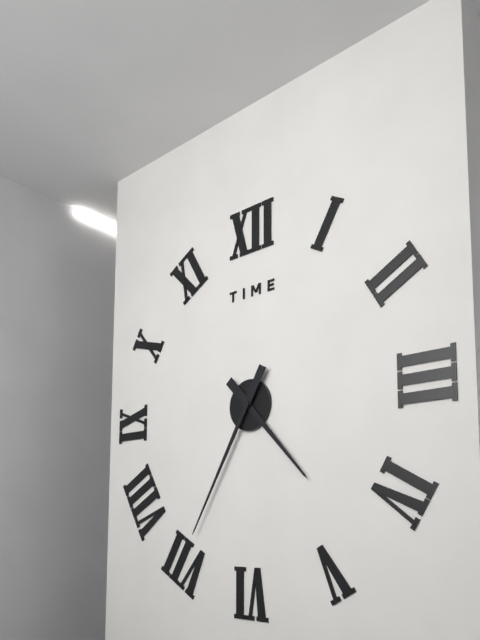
**4:35**
